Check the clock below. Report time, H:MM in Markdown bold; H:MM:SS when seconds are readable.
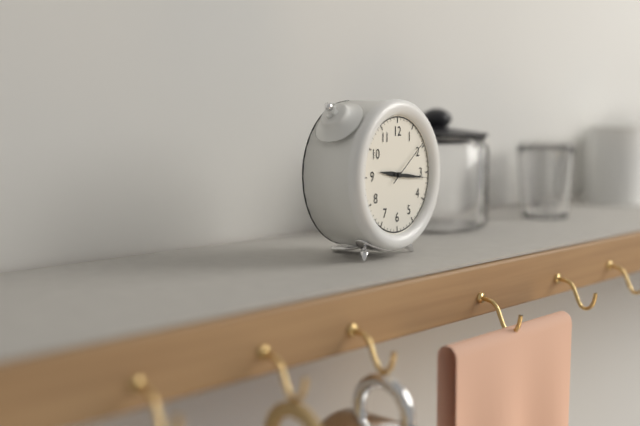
**9:16:09**
